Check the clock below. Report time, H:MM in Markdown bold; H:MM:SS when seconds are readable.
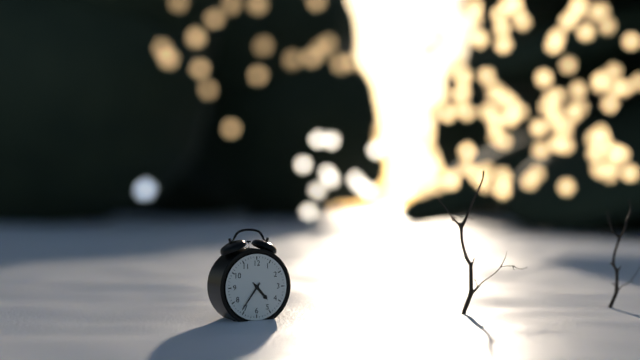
**4:36**
